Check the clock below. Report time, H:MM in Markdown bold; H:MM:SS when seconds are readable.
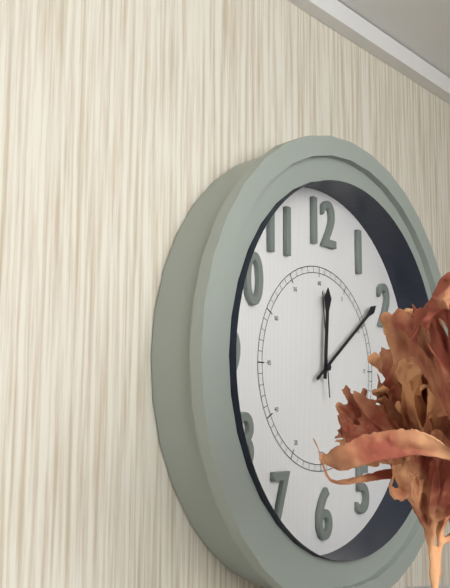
**12:09:59**
